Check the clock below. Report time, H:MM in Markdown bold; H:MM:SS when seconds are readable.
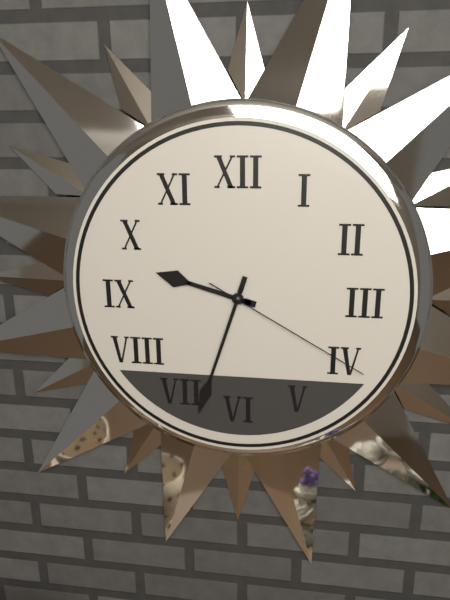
**9:33:20**
